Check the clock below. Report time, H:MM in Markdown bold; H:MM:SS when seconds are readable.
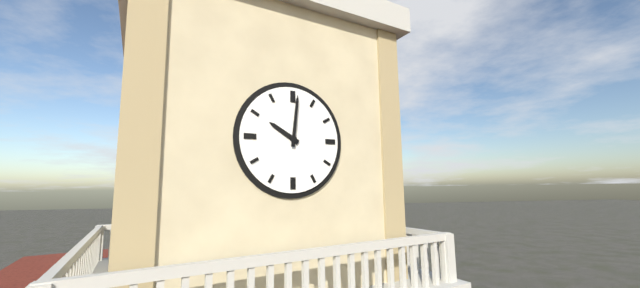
**10:01**
